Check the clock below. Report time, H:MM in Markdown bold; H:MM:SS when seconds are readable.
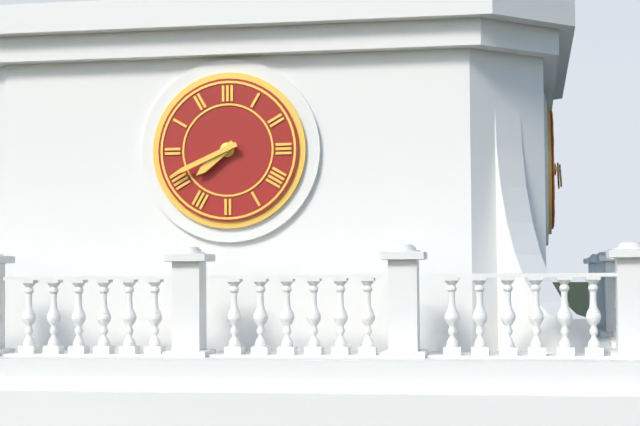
**7:41**
